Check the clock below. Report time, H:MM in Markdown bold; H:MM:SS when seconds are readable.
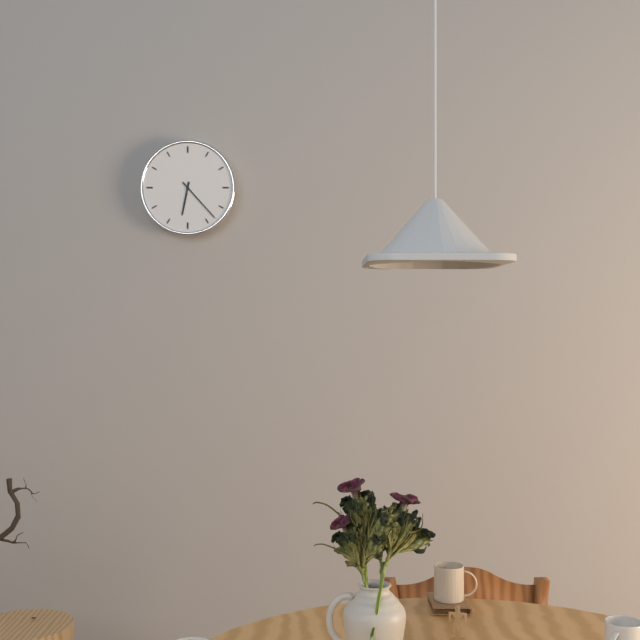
**6:23**
